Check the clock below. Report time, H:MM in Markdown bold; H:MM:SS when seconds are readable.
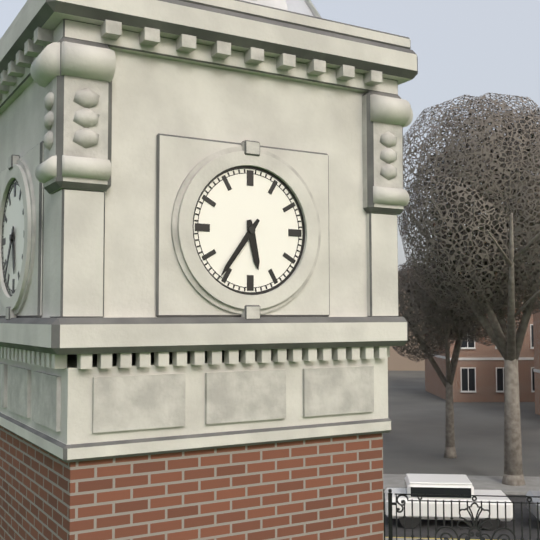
**5:36**
